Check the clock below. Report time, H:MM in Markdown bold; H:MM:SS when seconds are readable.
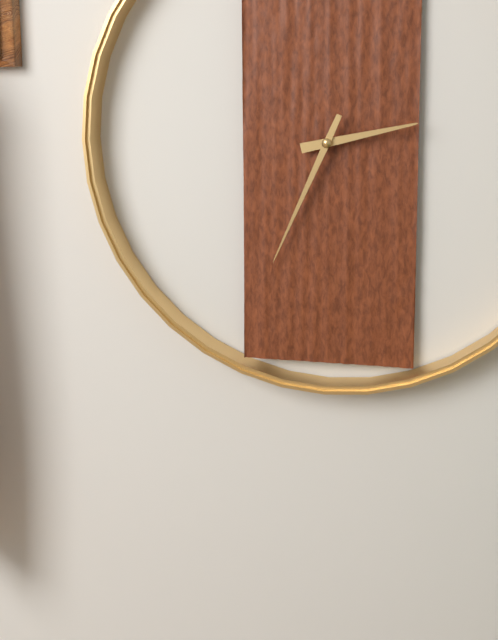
**2:34**
